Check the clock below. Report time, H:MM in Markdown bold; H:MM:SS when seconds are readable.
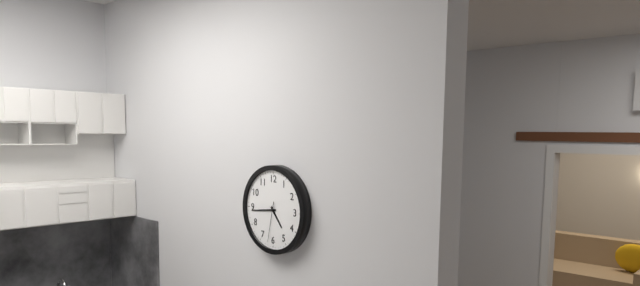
**4:44**
